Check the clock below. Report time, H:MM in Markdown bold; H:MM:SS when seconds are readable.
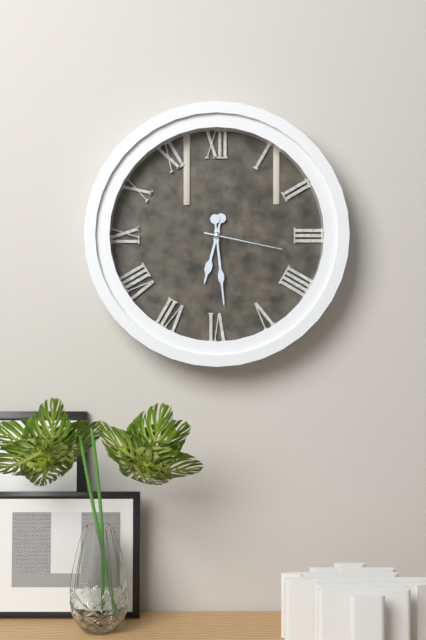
**6:29:17**
